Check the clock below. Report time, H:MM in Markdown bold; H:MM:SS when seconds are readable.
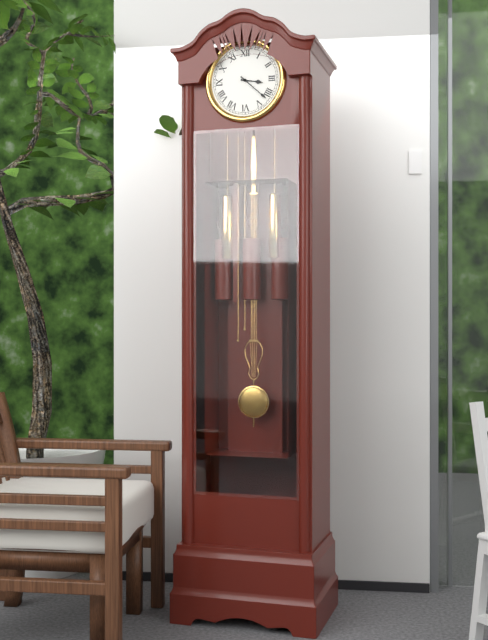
**3:22**
